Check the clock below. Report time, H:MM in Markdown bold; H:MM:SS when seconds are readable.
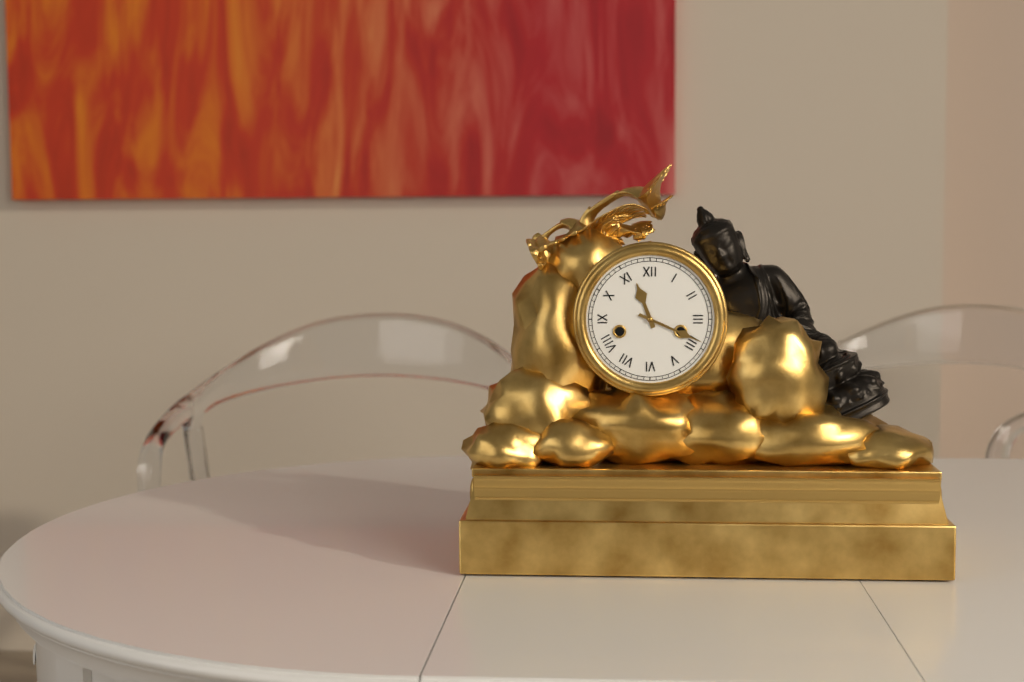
**11:19**
